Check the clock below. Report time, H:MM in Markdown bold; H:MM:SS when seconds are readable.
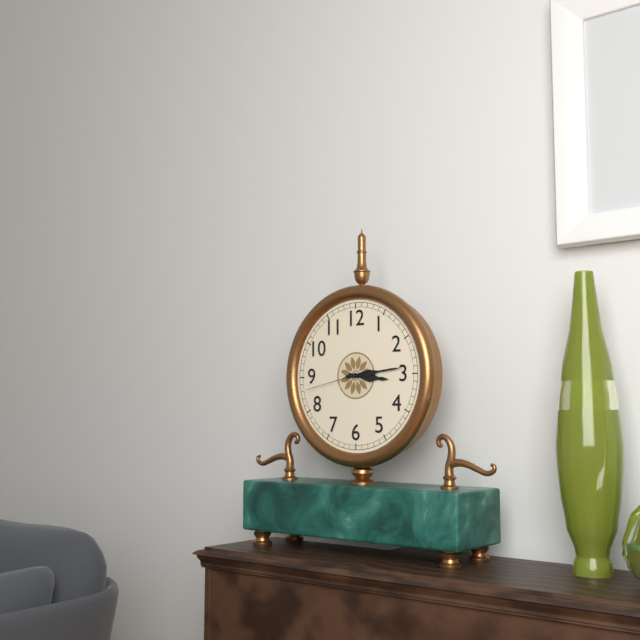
**3:14:43**
